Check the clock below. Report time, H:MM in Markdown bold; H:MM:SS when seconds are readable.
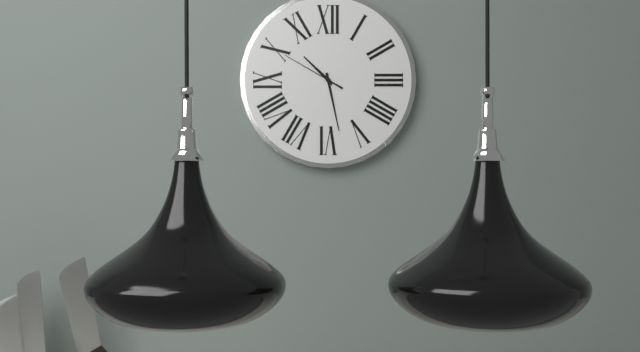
**10:28:50**
